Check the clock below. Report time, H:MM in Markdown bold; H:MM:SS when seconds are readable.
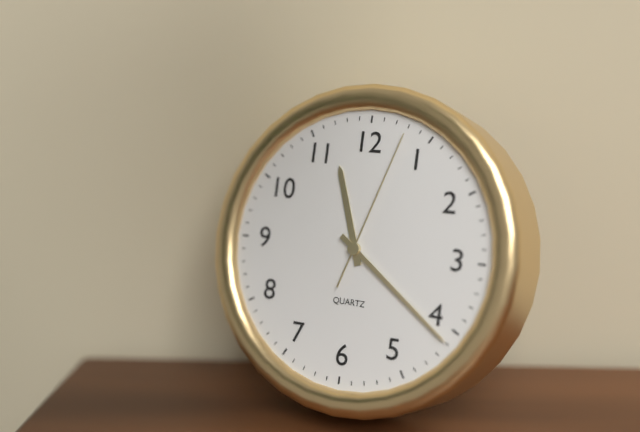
**11:21:03**
